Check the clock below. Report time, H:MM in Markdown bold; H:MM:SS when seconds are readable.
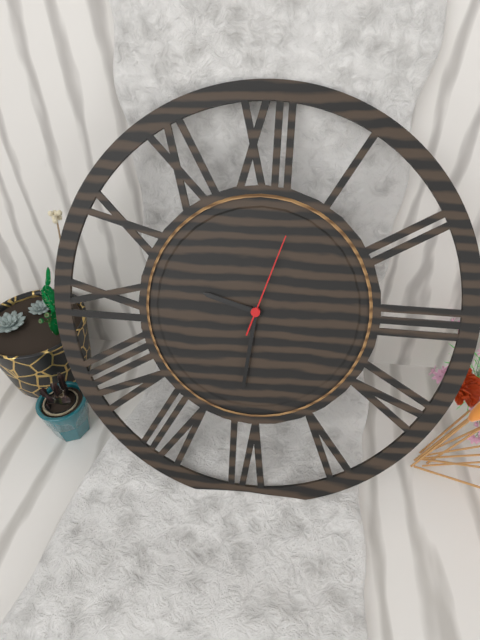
**9:31:03**
